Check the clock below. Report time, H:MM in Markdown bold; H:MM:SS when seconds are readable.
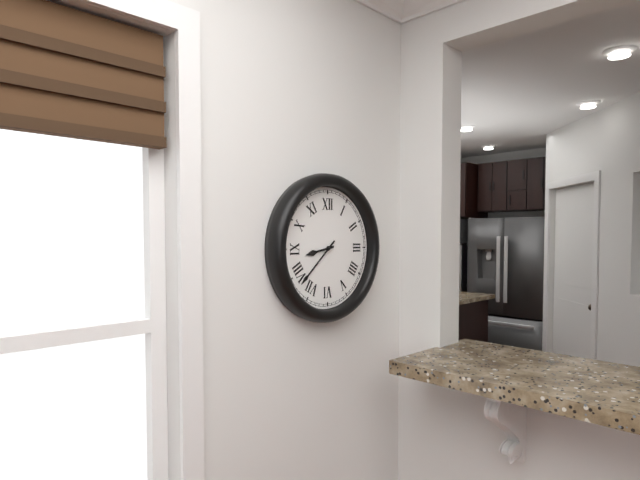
**8:38**
